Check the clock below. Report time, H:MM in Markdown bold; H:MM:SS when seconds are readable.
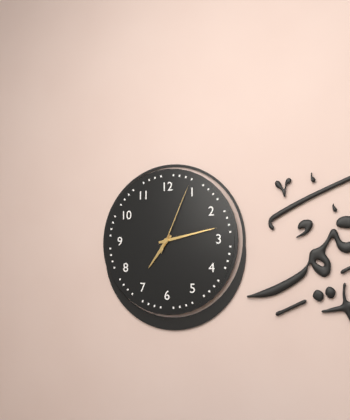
**7:13:04**
